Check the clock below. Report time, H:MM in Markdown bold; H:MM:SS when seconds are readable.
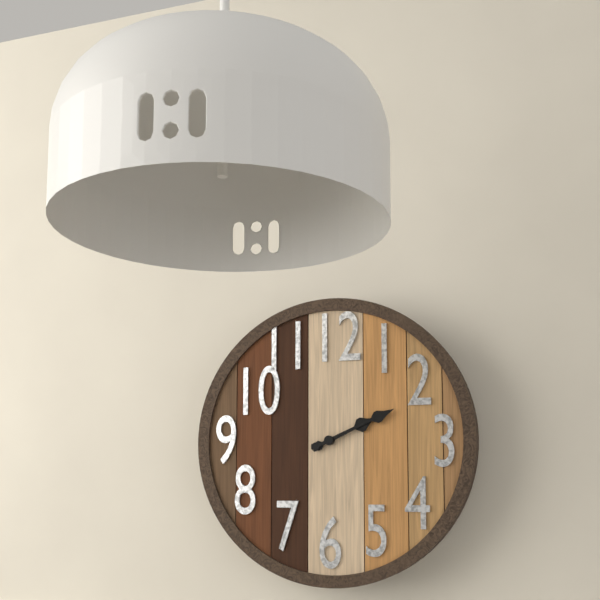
**2:11**
